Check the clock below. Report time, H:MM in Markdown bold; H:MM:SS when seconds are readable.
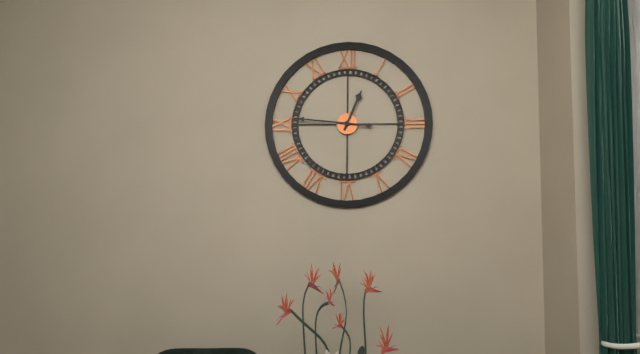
**12:46**
